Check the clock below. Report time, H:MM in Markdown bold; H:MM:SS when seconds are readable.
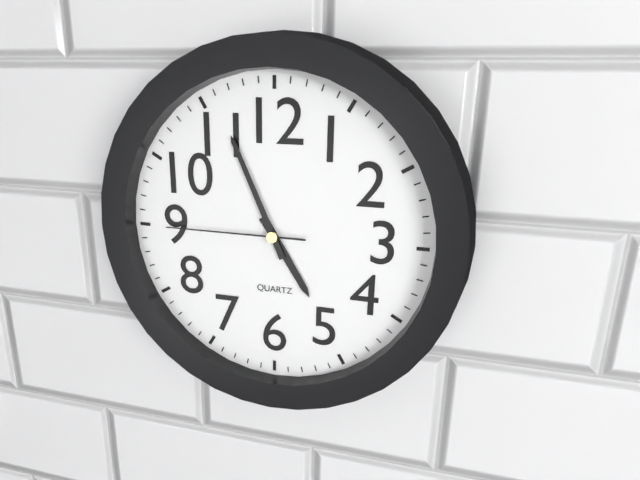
**4:56:45**
